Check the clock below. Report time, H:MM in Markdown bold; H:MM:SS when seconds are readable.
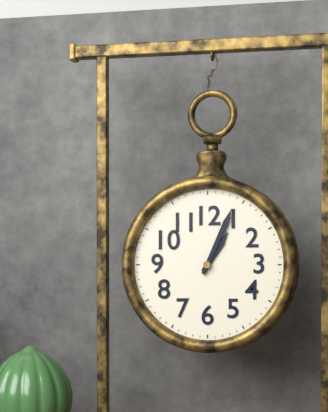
**1:04**
